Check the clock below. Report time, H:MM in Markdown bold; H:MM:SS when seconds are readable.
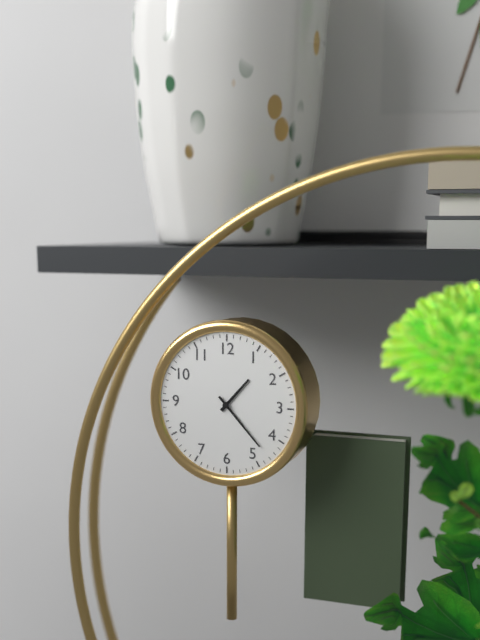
**1:23**
